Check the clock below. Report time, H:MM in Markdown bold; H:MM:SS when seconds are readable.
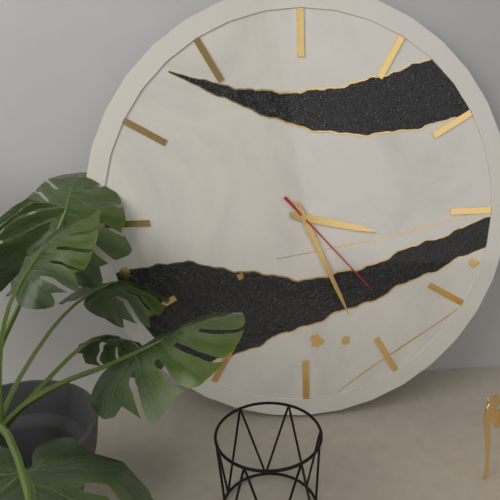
**3:26:23**
